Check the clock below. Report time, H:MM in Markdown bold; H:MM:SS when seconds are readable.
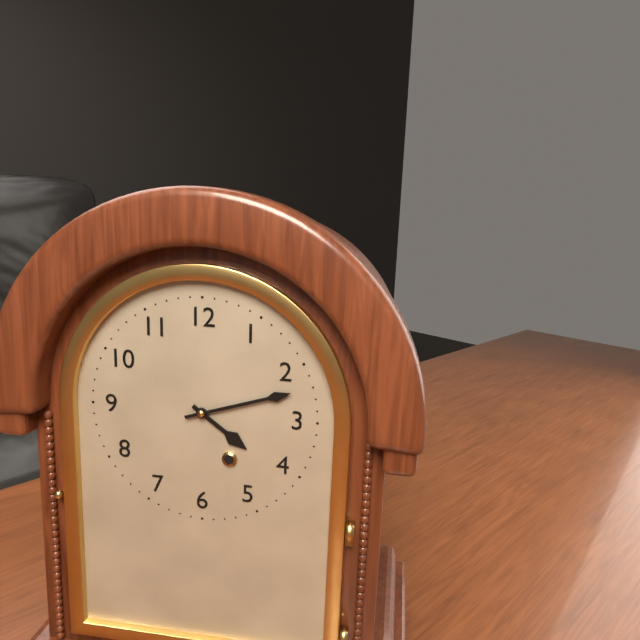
**4:12**
